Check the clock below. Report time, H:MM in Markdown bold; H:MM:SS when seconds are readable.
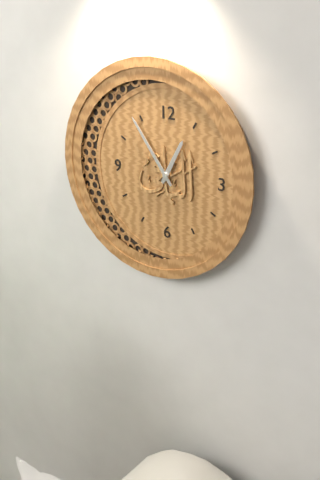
**12:54**
